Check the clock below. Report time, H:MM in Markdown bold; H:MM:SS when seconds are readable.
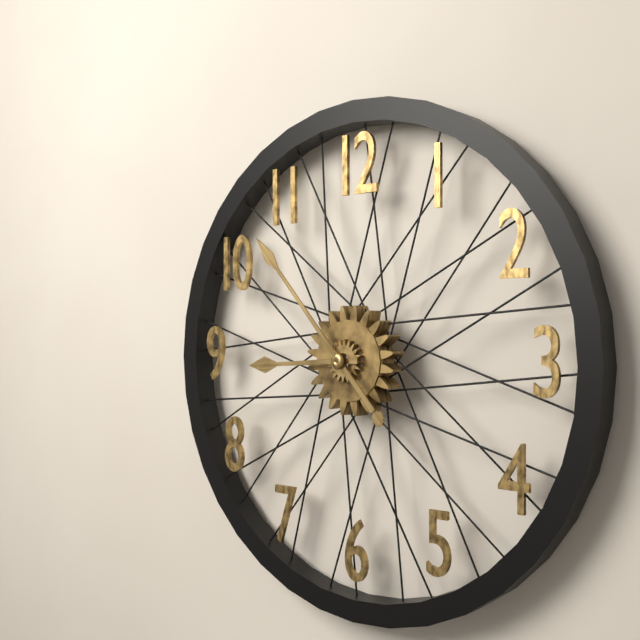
**8:53**
